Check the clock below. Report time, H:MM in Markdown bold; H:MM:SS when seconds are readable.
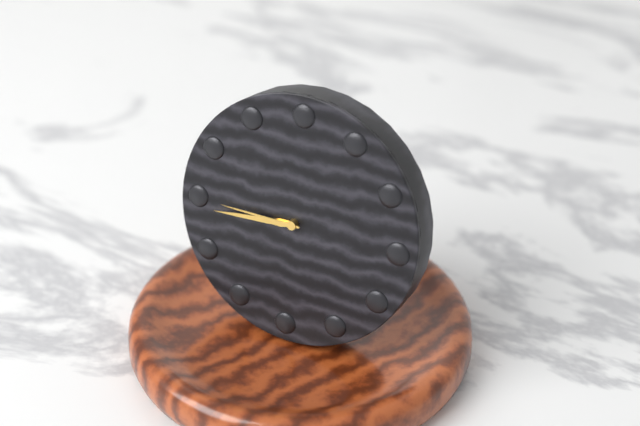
**8:44:45**
